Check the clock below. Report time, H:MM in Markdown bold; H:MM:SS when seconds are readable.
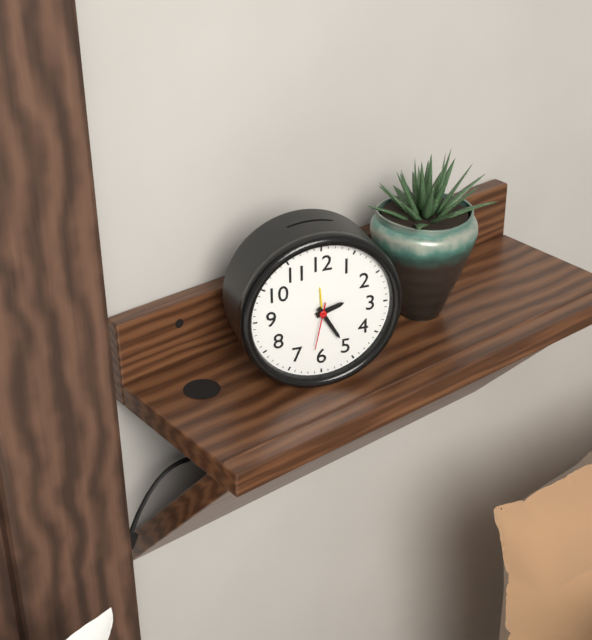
**2:25**
